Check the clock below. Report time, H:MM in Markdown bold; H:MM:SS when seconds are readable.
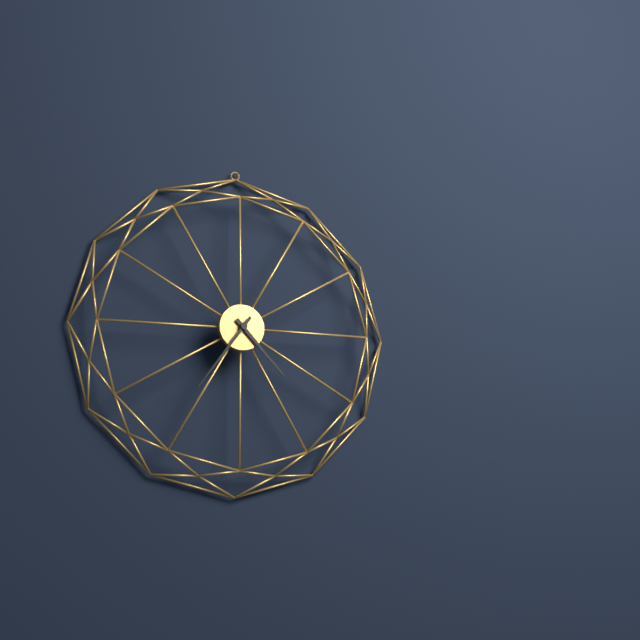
**4:36**
